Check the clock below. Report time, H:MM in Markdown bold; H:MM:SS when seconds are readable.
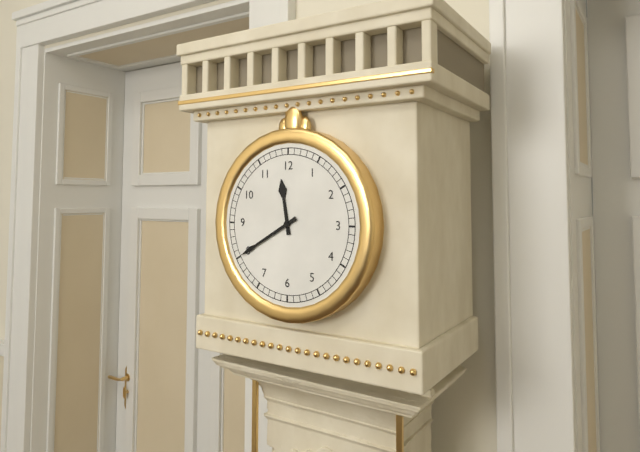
**11:40**
